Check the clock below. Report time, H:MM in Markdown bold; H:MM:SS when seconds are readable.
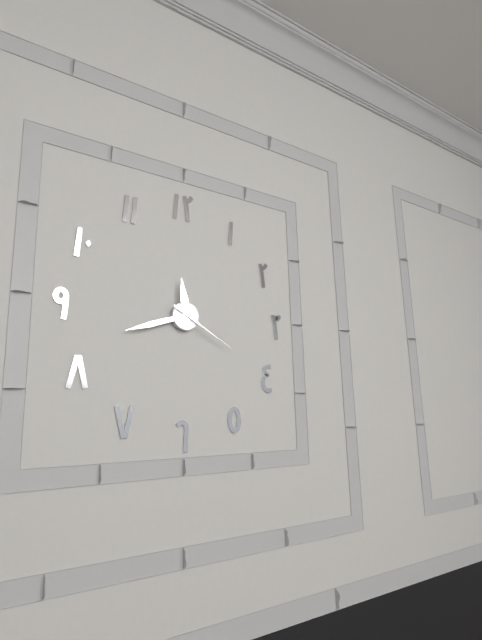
**11:42:20**
